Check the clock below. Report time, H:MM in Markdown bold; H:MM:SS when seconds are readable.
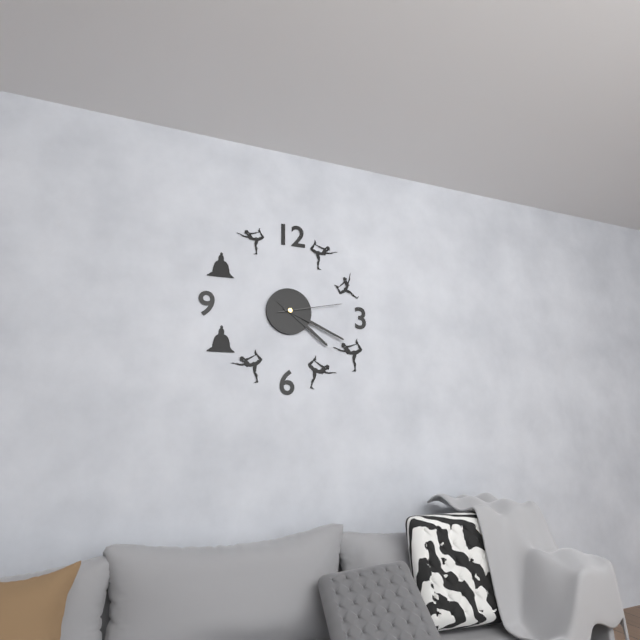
**4:19:13**
